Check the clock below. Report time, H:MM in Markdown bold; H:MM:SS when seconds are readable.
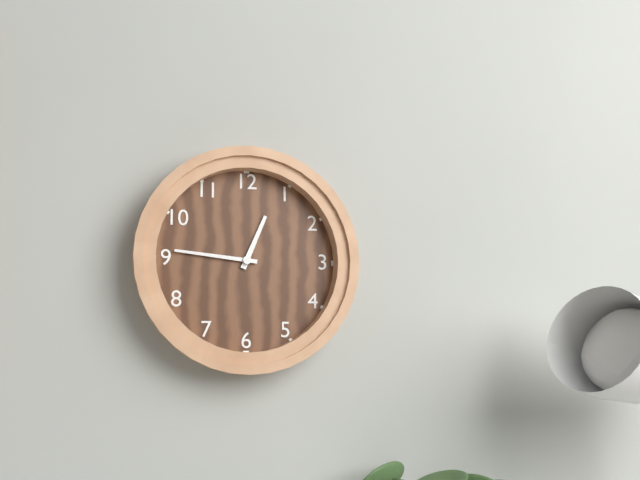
**12:46**
